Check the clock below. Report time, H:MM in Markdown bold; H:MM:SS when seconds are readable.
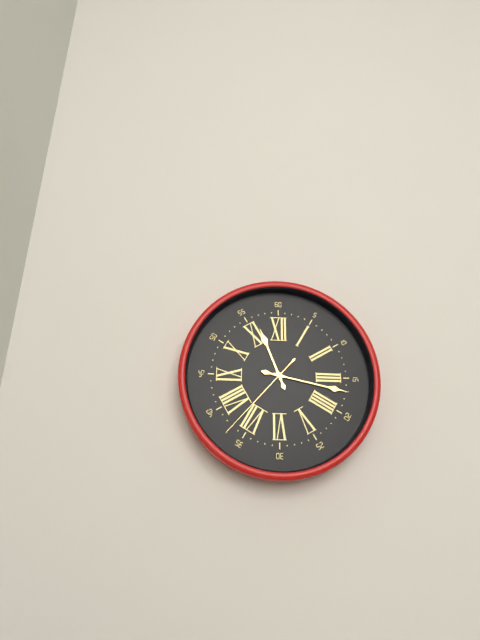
**11:17:37**
